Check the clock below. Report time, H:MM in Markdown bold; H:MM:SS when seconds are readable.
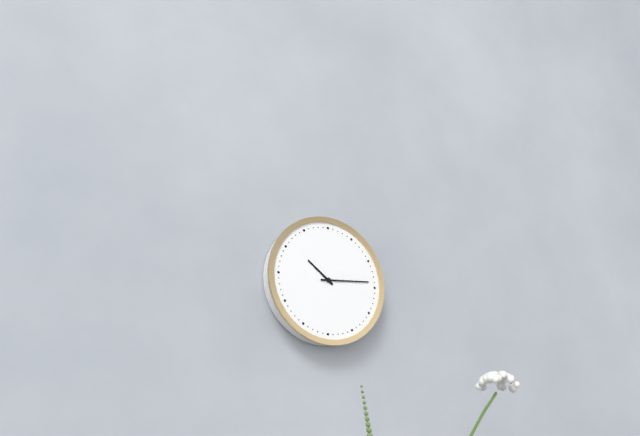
**10:14**
